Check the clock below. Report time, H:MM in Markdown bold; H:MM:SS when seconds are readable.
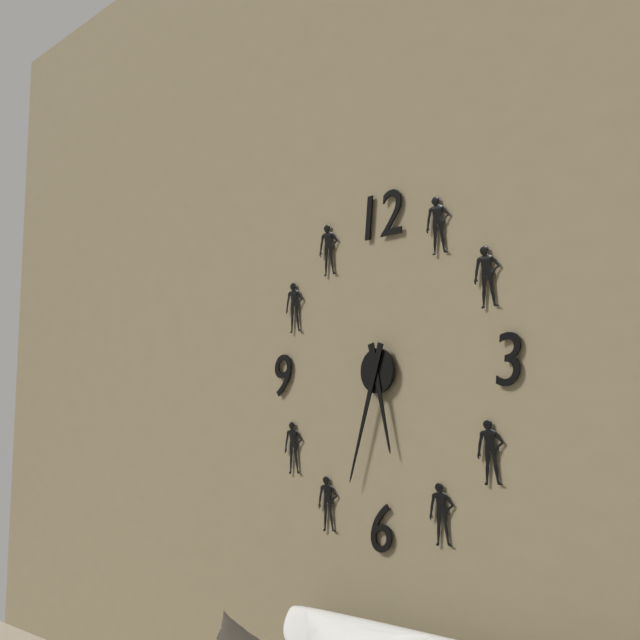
**5:33**
